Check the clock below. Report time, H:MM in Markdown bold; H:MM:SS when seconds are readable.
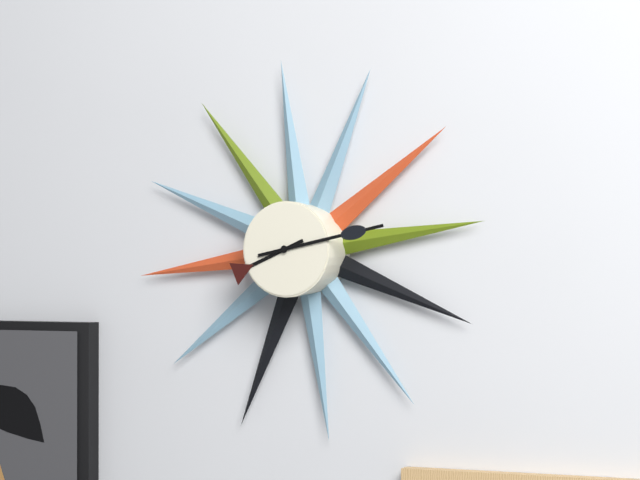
**8:13**
